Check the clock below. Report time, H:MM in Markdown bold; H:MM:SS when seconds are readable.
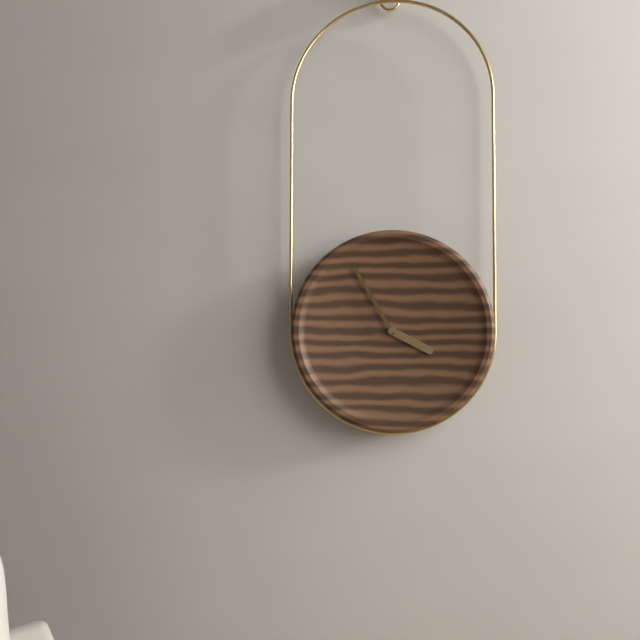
**3:55**
